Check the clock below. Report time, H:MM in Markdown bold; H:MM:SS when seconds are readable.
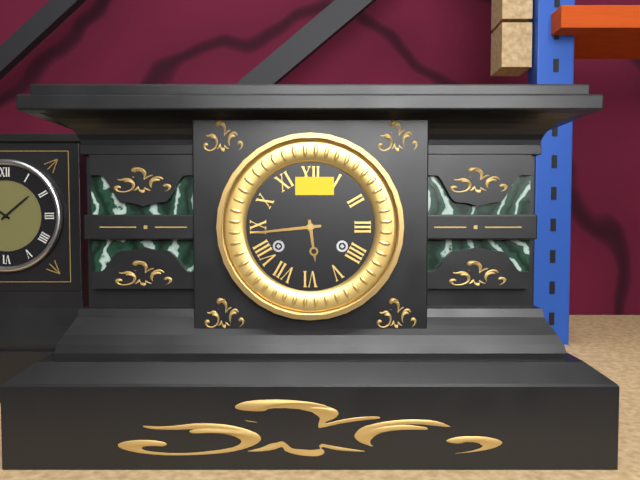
**5:44**
